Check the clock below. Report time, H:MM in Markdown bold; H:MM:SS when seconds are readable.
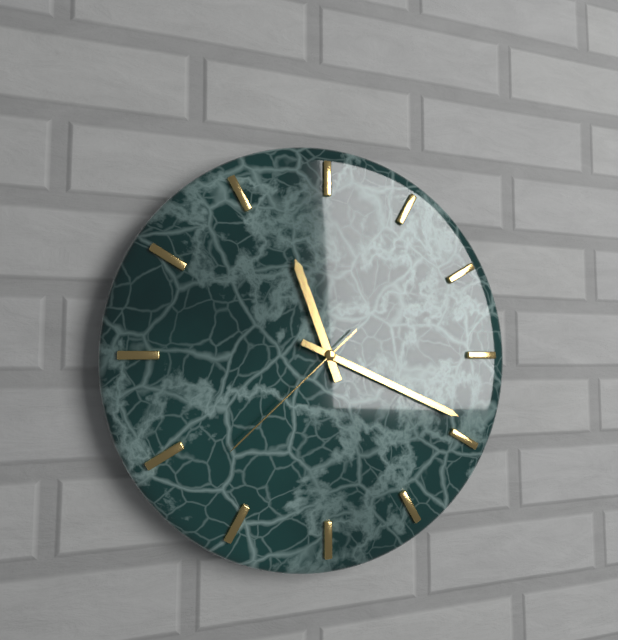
**11:19:38**
